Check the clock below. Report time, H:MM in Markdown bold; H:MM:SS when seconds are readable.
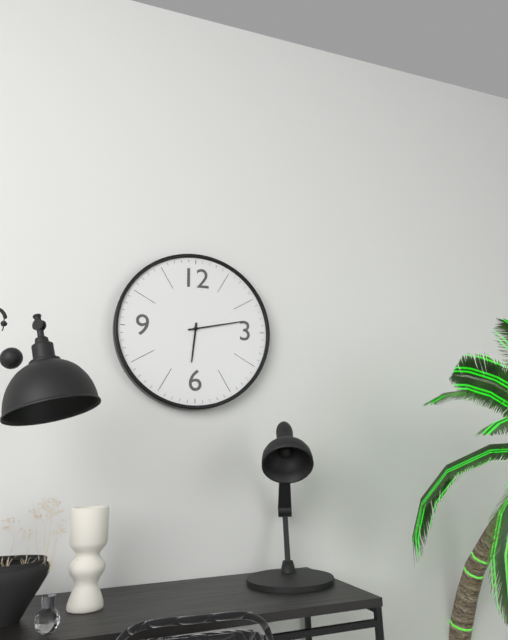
**6:13**
